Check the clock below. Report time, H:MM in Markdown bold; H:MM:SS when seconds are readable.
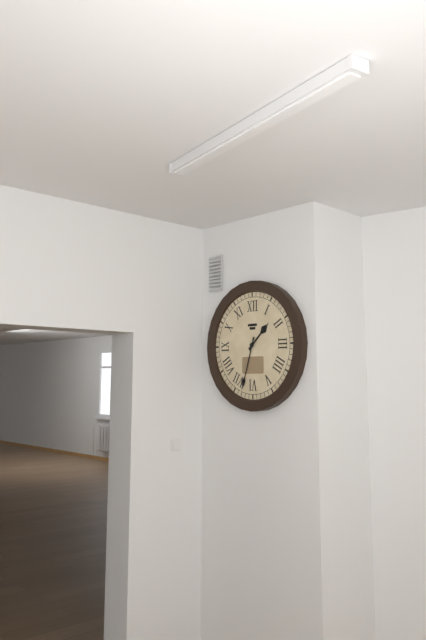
**1:33**
